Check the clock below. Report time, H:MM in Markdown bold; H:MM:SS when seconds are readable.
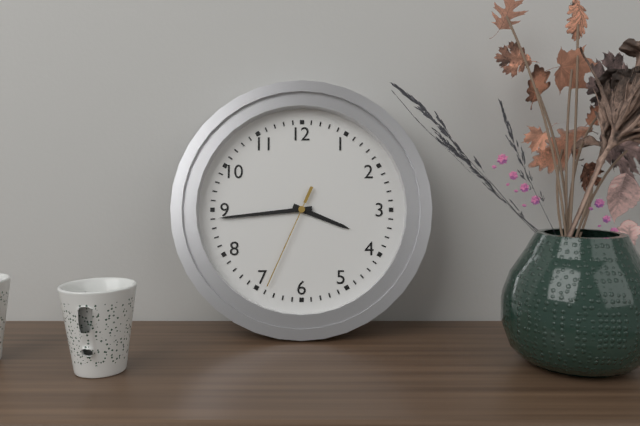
**3:44:34**
